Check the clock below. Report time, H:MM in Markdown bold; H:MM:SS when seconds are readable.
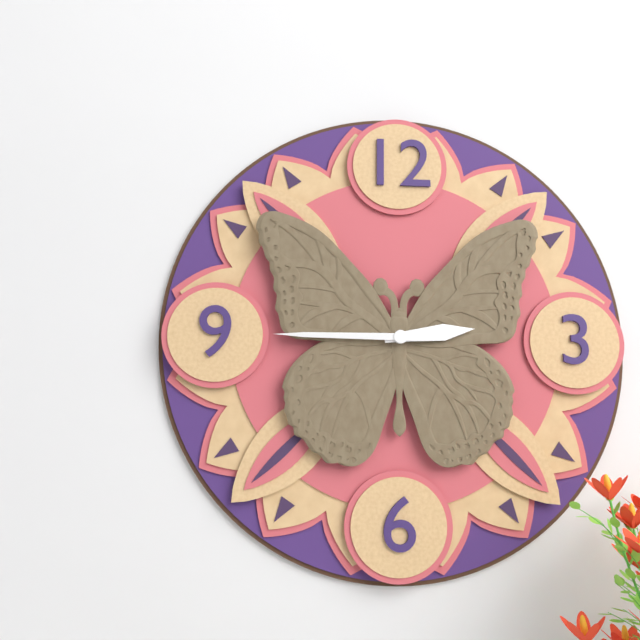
**2:45**
